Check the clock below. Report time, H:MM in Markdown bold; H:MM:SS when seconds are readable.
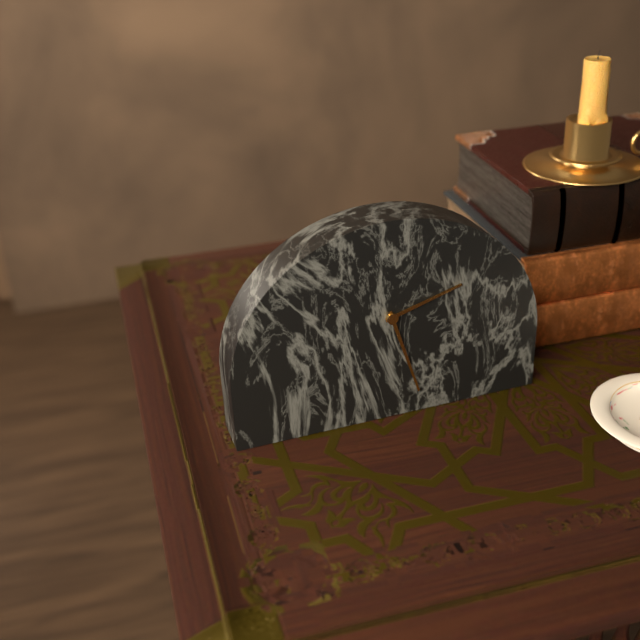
**2:27**
